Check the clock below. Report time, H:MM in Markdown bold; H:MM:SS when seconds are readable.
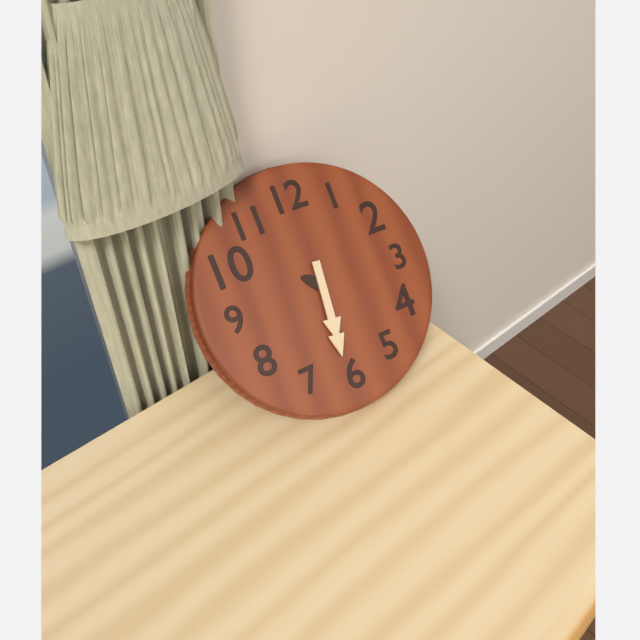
**10:31**
